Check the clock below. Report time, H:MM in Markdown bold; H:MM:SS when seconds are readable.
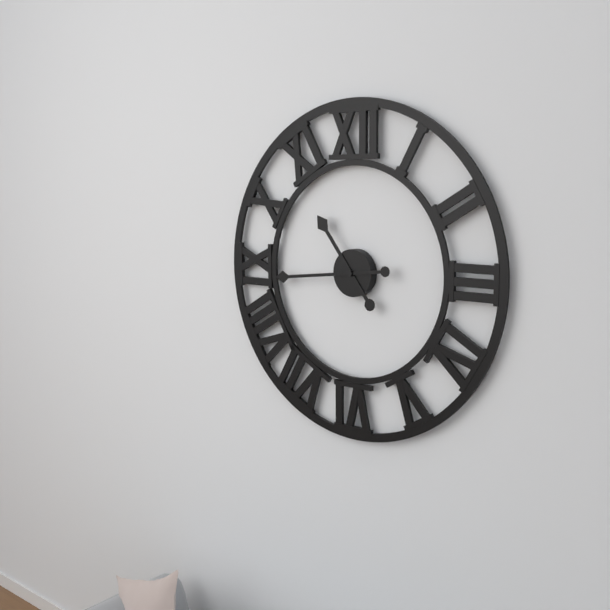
**10:44**
